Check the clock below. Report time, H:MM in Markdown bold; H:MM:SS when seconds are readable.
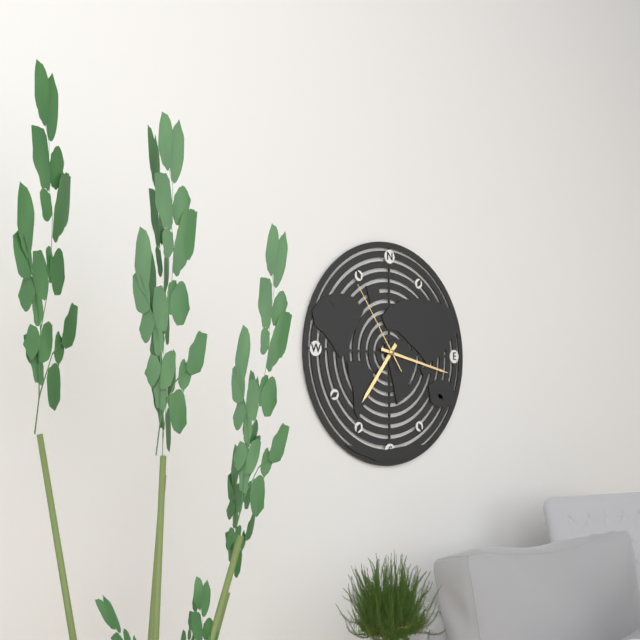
**7:17:54**
